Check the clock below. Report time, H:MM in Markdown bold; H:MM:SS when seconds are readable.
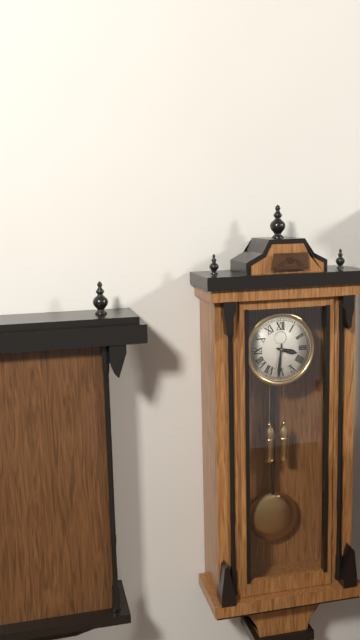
**3:31**
